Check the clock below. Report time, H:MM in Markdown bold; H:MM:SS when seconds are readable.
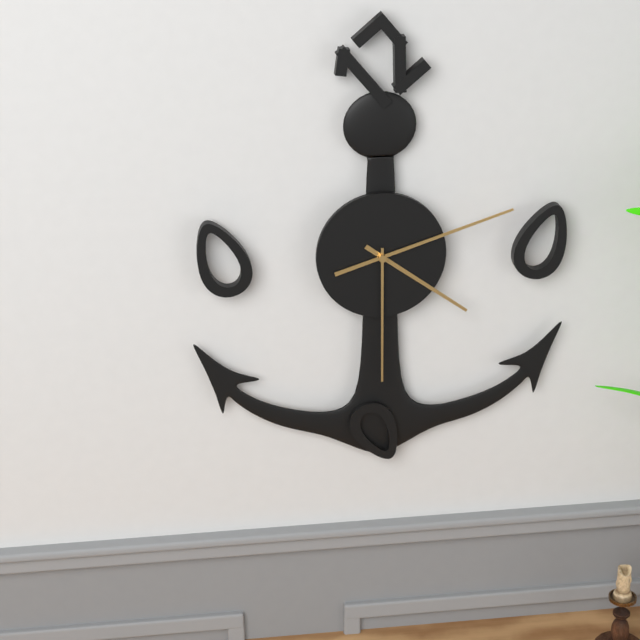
**4:12:30**
